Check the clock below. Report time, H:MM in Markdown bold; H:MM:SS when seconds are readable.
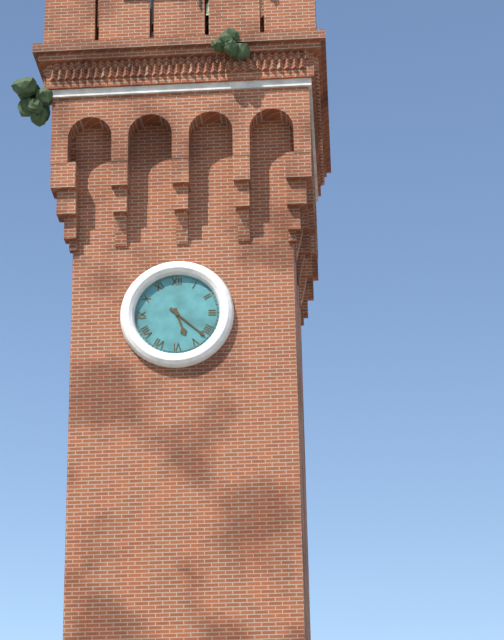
**5:22**
